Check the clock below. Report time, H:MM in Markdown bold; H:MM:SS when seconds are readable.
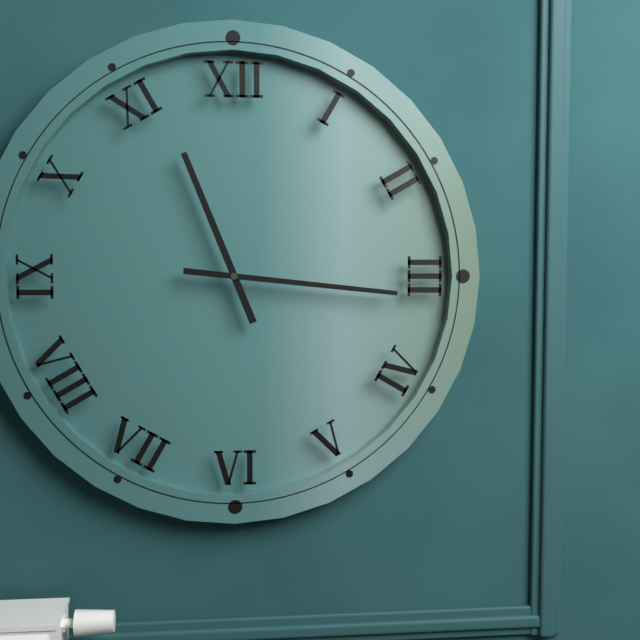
**11:16**
